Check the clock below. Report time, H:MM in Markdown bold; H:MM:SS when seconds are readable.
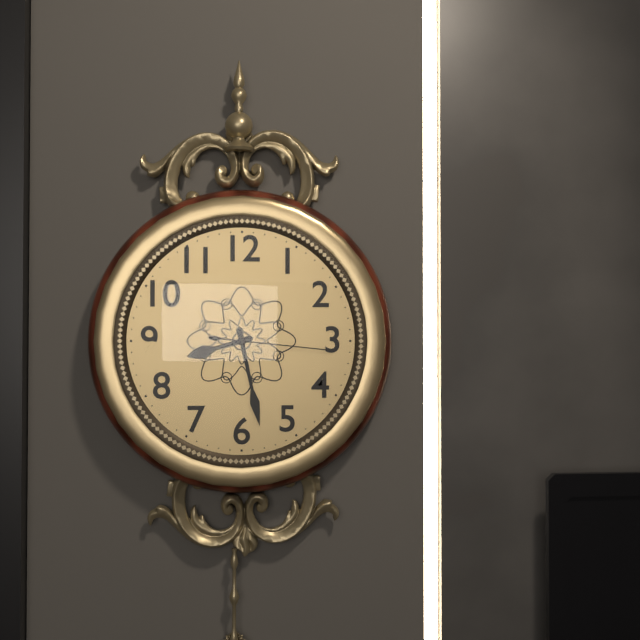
**8:28:16**
